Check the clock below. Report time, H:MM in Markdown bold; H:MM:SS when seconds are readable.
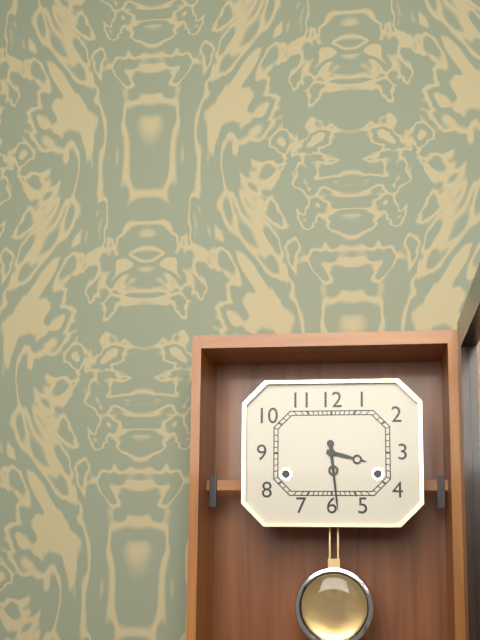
**3:29**
